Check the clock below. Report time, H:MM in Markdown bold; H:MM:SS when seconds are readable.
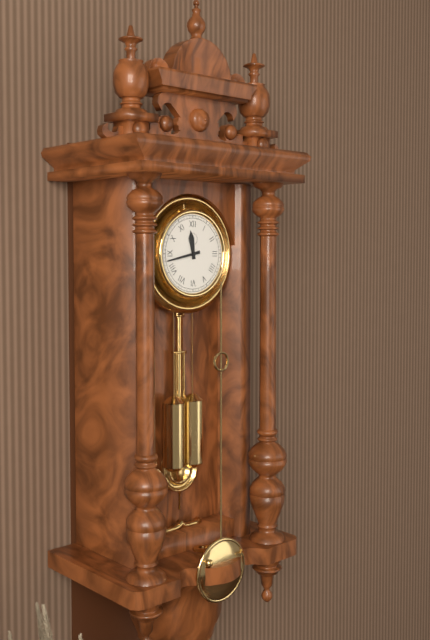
**11:43**
